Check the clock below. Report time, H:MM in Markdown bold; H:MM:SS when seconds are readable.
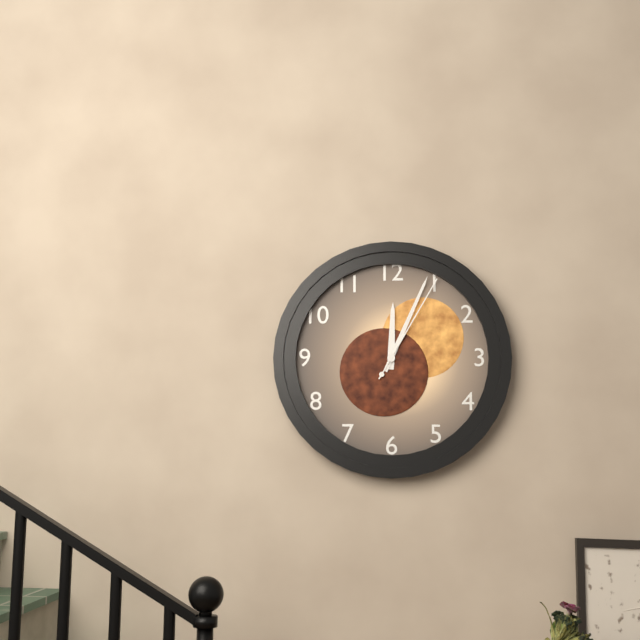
**12:04:05**
